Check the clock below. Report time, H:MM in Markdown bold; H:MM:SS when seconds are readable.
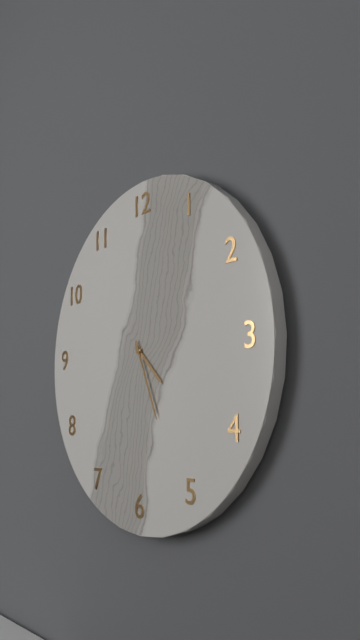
**4:26**
